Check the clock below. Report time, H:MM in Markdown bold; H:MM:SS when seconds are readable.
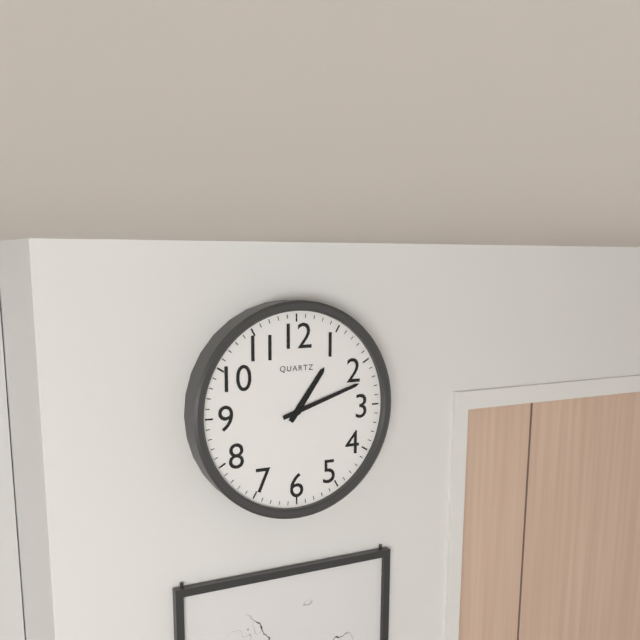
**1:12**
